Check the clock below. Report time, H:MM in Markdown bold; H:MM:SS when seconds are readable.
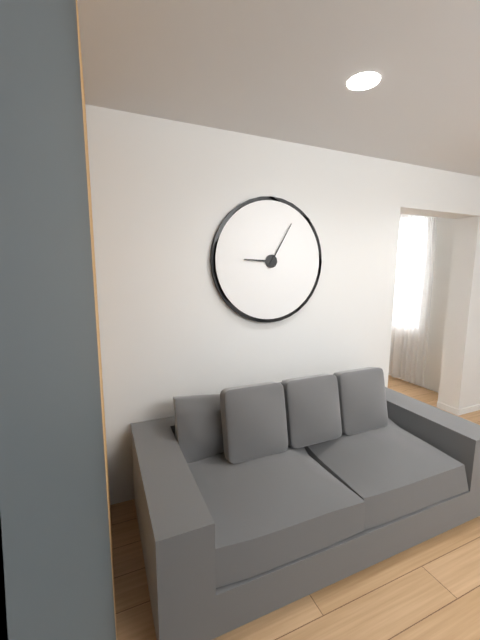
**9:05**
